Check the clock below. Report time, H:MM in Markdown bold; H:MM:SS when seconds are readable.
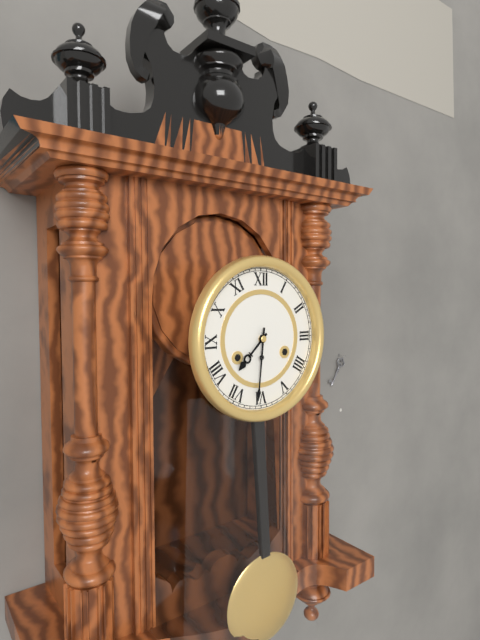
**7:31**
